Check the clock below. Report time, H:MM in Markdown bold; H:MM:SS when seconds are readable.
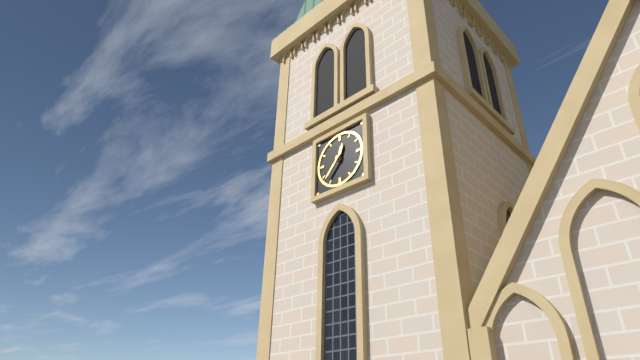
**12:37**
